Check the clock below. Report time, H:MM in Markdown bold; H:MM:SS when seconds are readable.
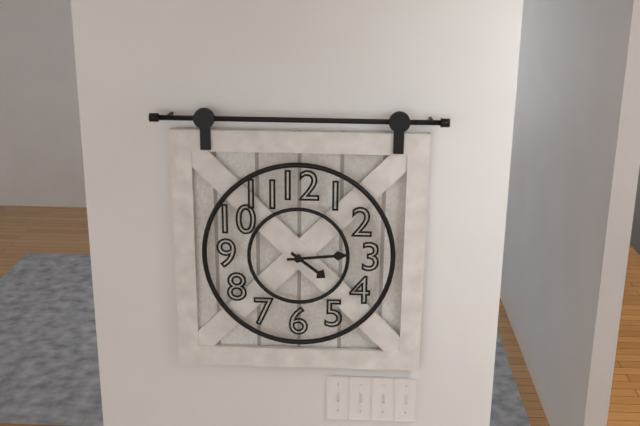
**4:14**
